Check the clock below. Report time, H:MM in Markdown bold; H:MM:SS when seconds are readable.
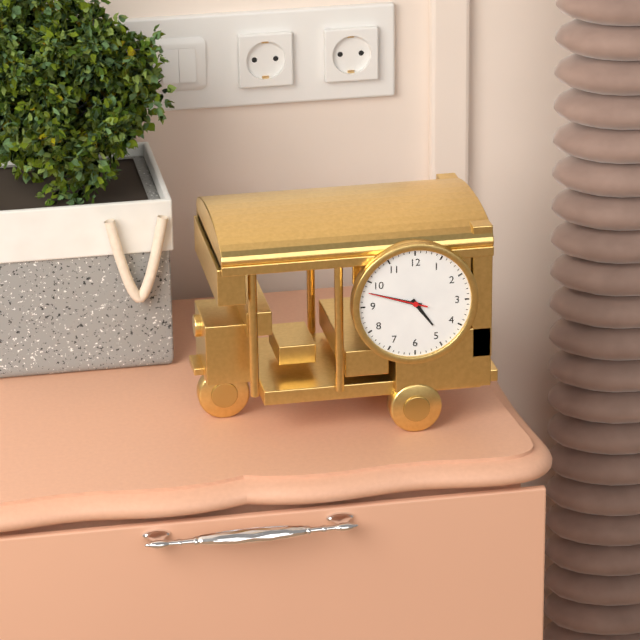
**4:48:48**
